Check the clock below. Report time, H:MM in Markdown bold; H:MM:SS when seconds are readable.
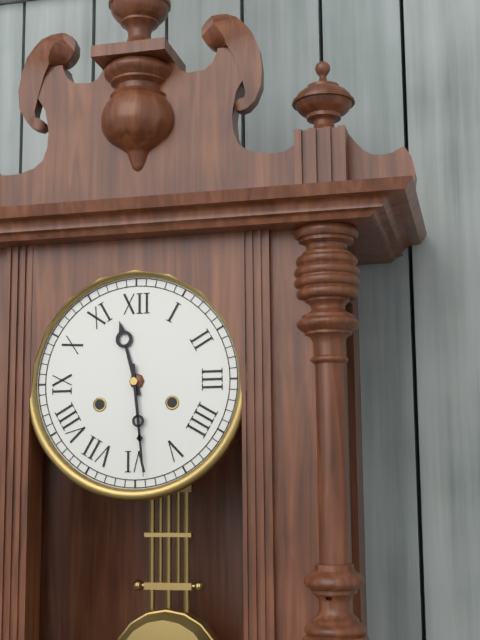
**11:29**
